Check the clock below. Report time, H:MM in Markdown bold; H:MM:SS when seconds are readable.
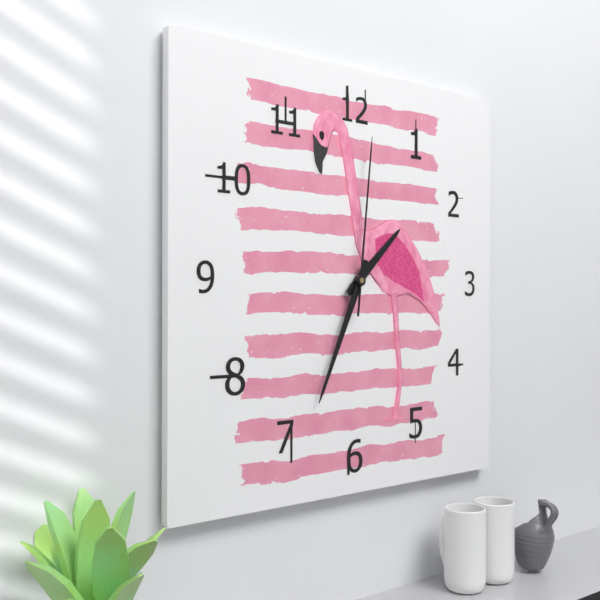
**1:34:01**
